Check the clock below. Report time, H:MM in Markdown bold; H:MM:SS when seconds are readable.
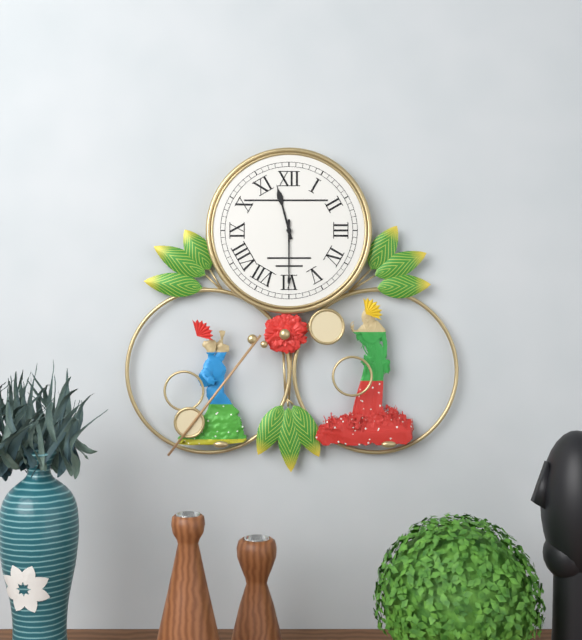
**11:30**
